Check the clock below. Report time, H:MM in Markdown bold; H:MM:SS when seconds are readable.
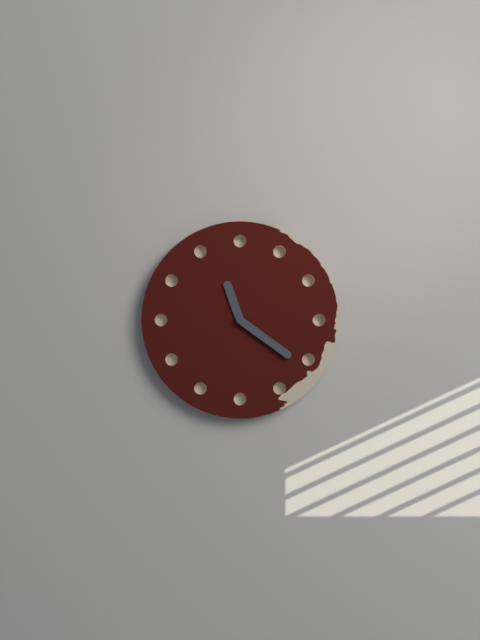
**11:21**
